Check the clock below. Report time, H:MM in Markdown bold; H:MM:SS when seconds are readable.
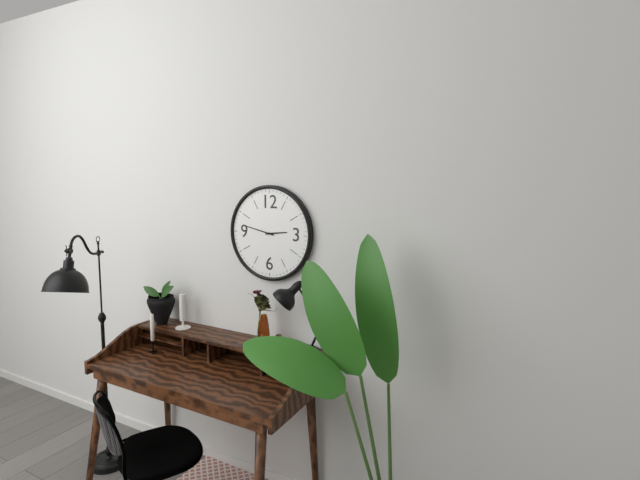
**2:47**
